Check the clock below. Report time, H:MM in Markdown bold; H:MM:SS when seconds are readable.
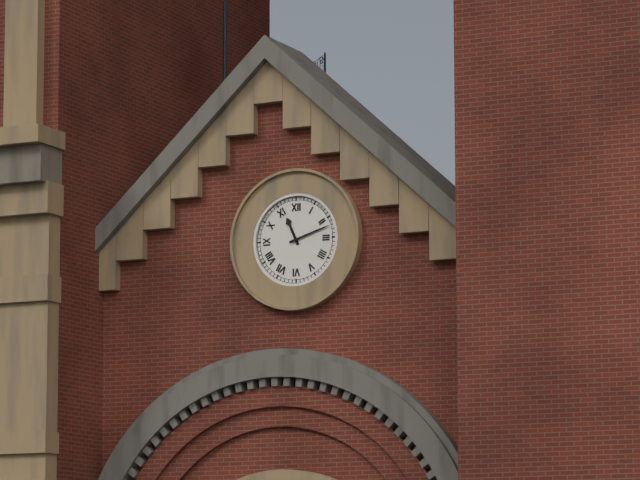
**11:12**
